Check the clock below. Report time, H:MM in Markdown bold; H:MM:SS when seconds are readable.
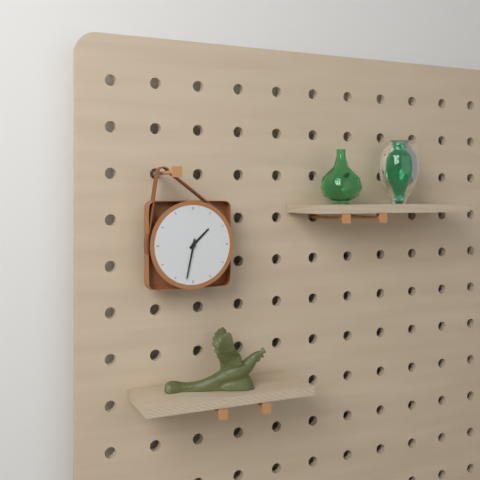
**1:32**
